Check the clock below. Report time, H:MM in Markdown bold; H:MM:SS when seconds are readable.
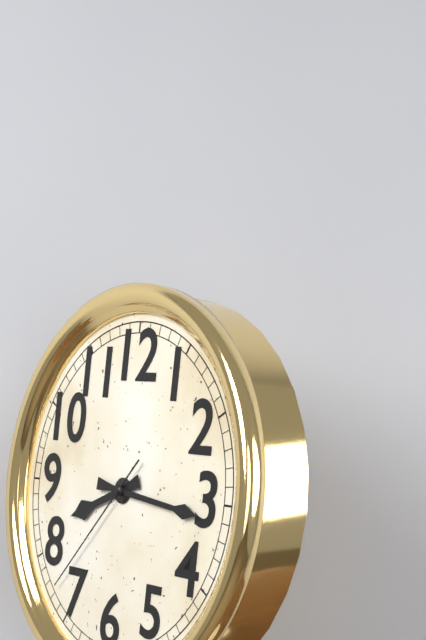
**8:16:37**
